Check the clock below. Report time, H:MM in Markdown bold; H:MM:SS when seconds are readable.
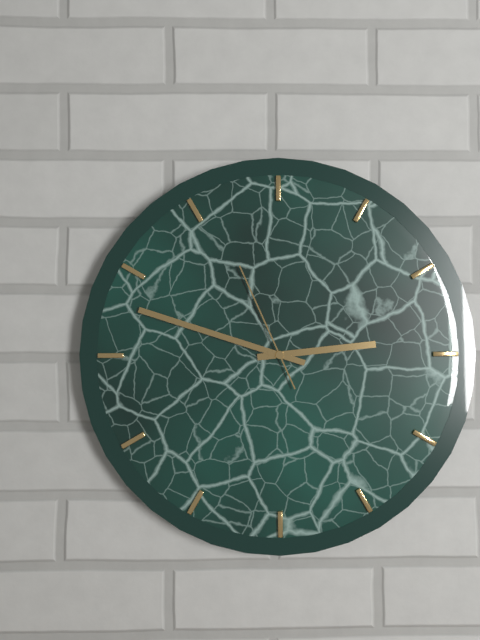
**2:48:56**
